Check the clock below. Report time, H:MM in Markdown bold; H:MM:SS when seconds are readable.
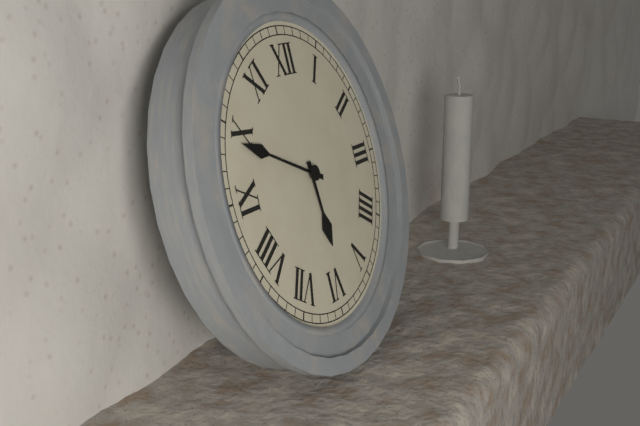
**5:49**
